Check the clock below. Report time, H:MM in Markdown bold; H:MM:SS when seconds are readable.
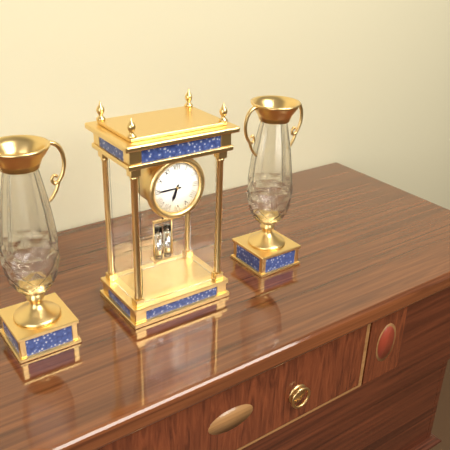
**6:45**
